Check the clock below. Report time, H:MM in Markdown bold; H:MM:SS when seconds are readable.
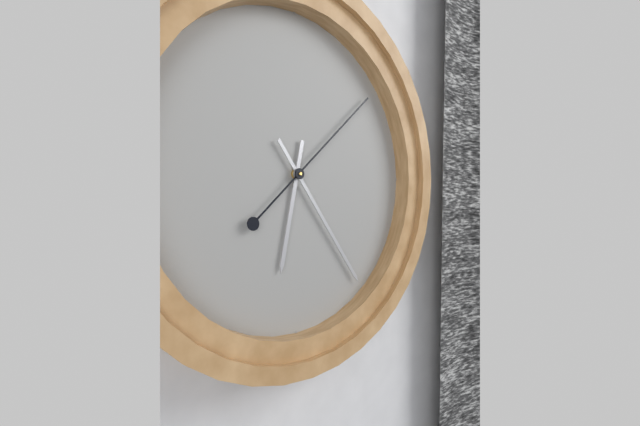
**6:24:08**
